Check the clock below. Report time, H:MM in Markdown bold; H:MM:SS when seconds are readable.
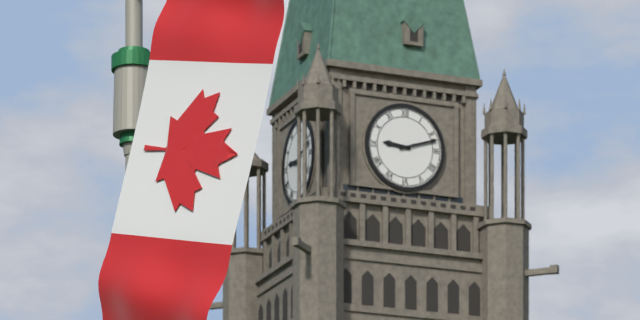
**9:12**
